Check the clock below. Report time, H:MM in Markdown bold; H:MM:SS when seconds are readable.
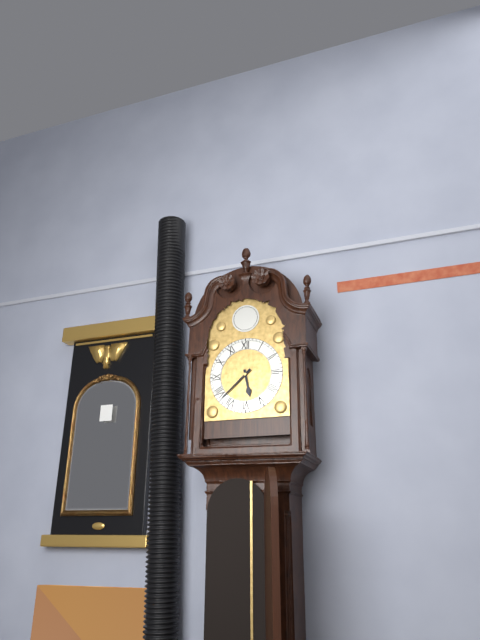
**5:38**
